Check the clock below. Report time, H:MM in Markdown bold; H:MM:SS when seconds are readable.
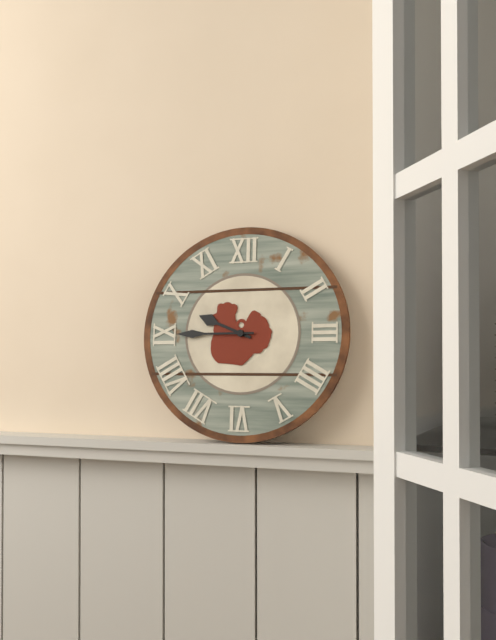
**9:45**
